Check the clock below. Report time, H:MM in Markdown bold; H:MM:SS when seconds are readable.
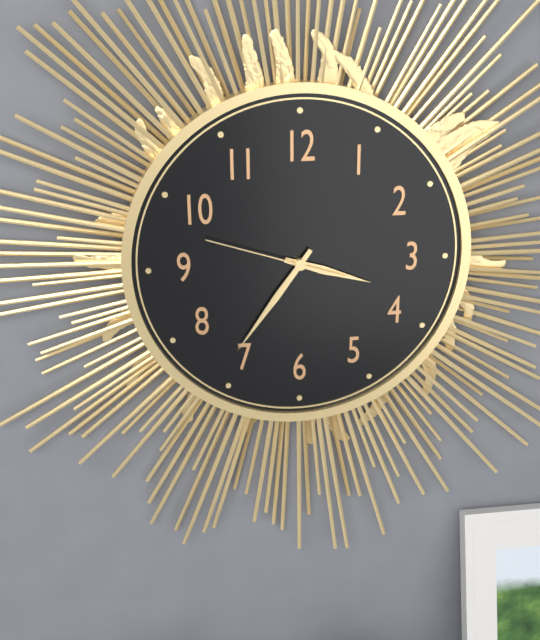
**3:36:48**
